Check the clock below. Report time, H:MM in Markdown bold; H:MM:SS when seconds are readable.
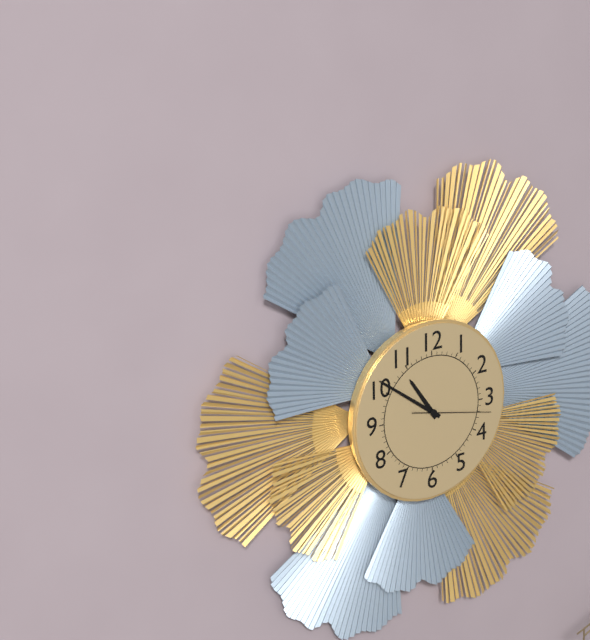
**10:51:17**
